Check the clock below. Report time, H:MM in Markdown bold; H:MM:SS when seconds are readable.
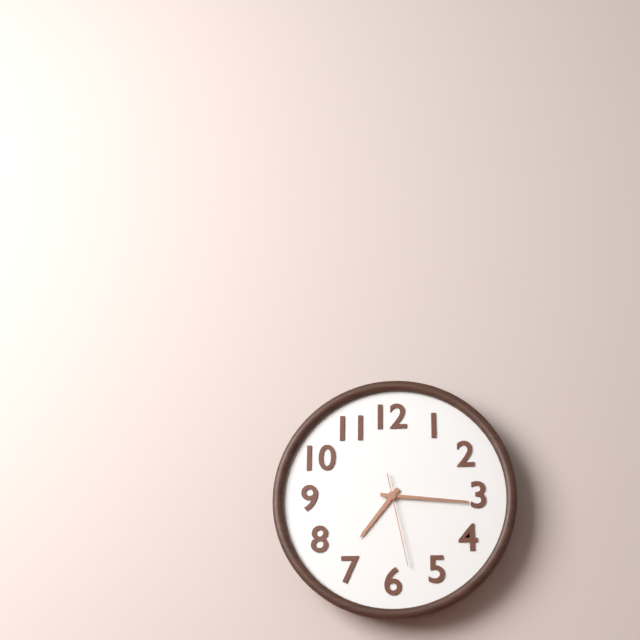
**7:16:28**
